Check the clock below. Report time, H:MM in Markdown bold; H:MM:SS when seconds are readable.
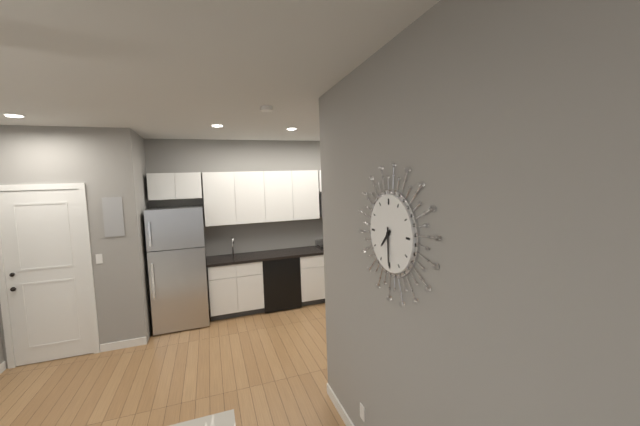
**7:30**
